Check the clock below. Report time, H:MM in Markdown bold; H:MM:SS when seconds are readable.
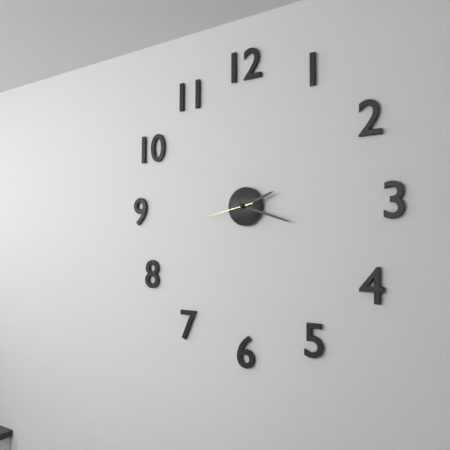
**2:18:43**
